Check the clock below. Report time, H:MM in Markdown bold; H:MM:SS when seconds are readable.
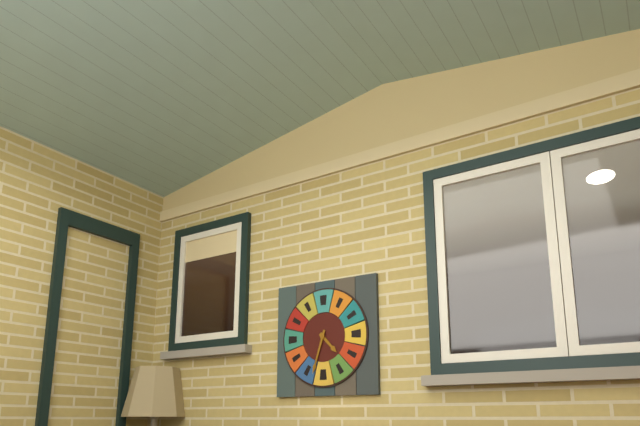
**4:33**
